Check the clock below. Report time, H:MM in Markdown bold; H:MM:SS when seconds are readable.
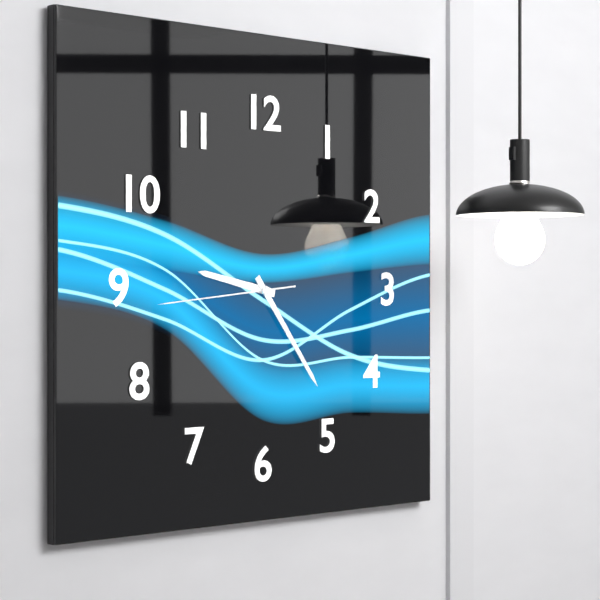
**9:24:44**
